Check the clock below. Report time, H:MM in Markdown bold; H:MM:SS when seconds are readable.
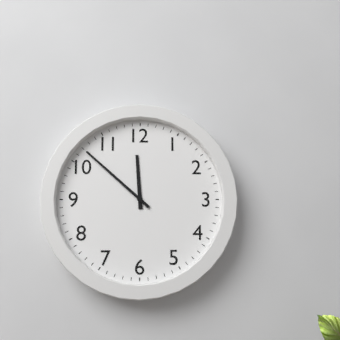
**11:52**
